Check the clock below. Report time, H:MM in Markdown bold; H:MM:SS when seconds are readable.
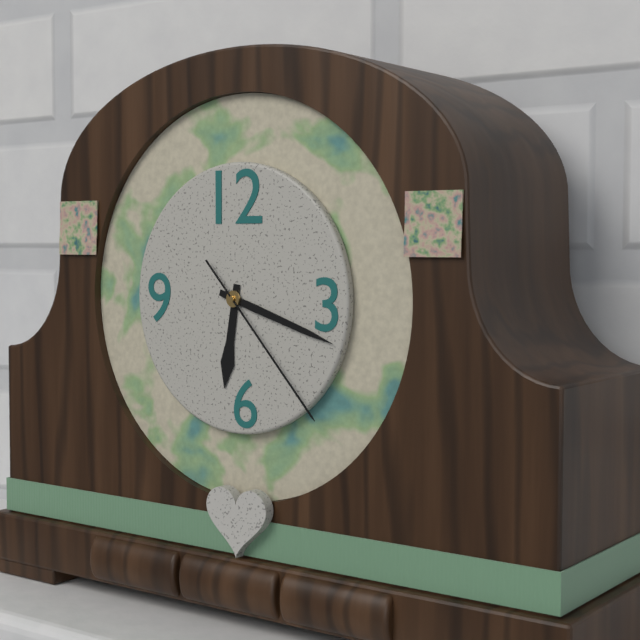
**6:18:23**
